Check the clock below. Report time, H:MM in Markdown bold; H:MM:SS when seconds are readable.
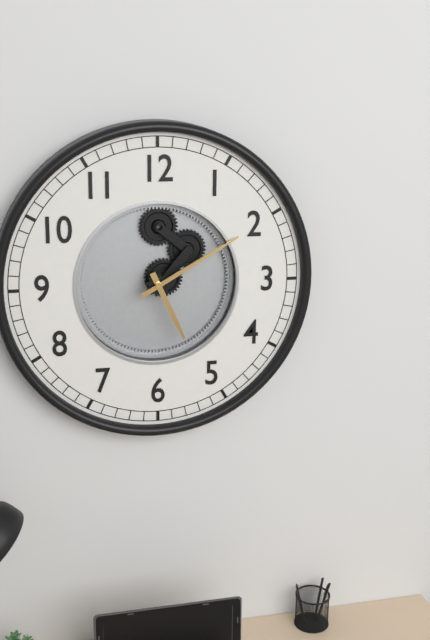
**5:10**
